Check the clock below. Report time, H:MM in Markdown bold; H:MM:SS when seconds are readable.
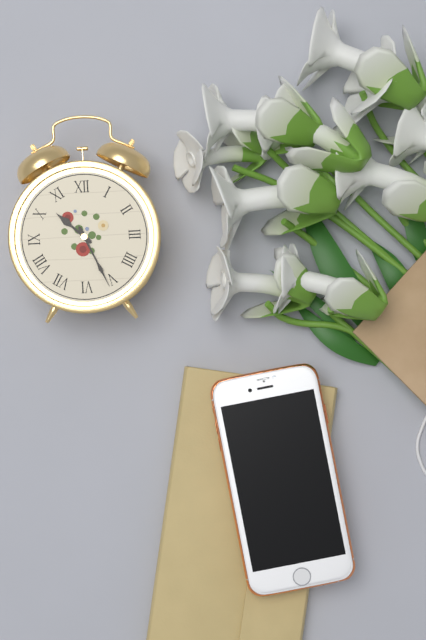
**10:26**
